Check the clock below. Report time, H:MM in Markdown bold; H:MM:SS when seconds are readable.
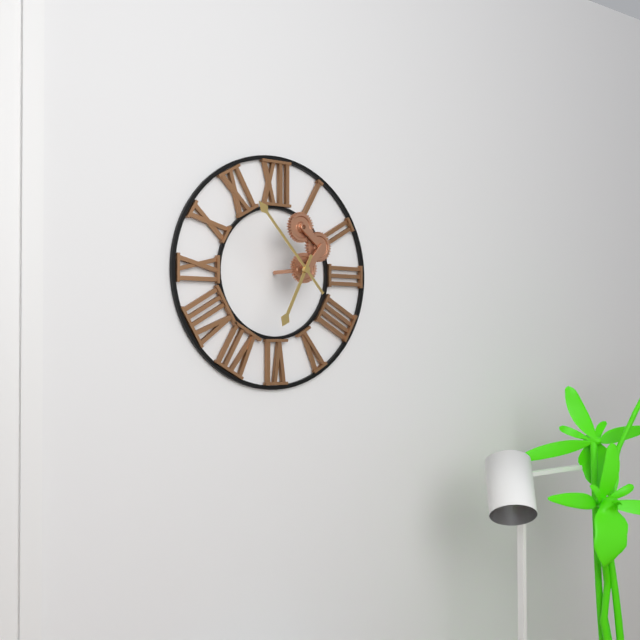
**6:53**
